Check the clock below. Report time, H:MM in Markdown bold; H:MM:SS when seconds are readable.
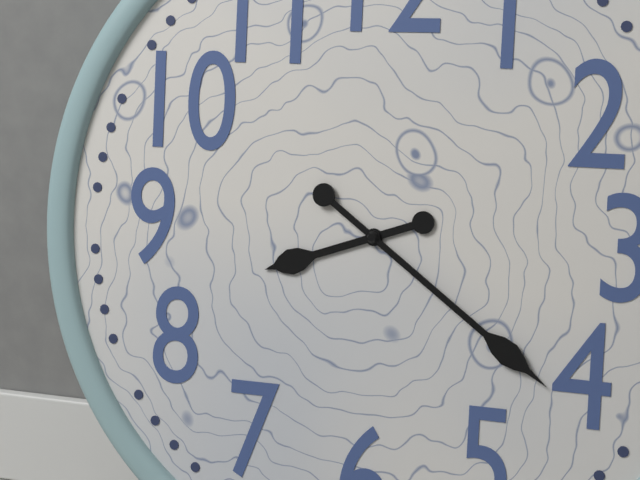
**8:21**
